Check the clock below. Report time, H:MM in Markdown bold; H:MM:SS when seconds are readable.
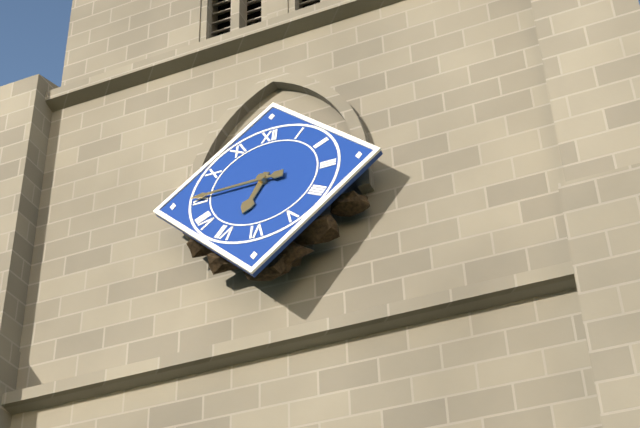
**6:45**
